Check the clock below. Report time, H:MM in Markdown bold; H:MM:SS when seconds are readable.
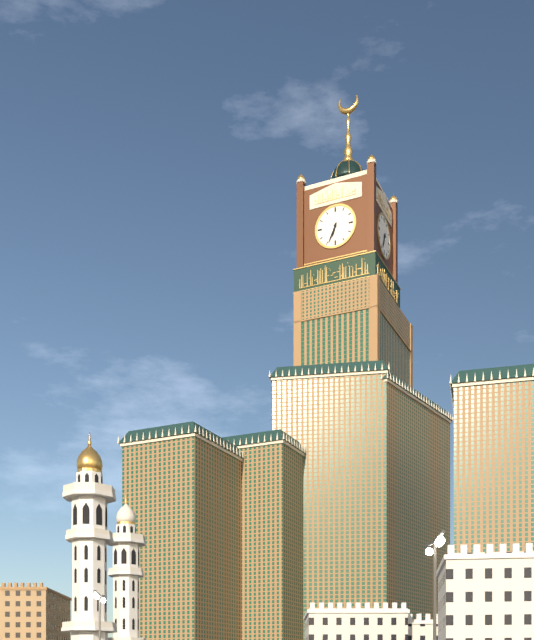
**6:34**
